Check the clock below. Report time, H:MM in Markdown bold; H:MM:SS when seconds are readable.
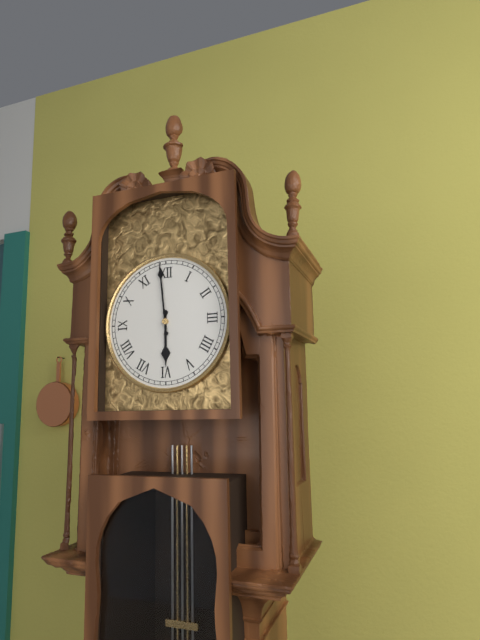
**5:59**
